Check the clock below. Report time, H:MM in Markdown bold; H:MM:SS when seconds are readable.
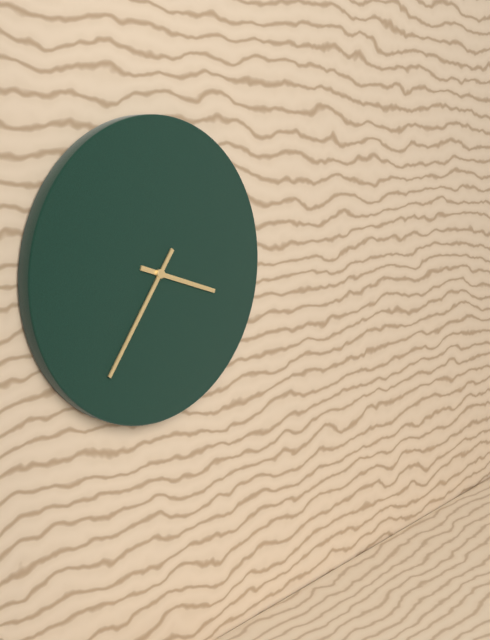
**3:36**
